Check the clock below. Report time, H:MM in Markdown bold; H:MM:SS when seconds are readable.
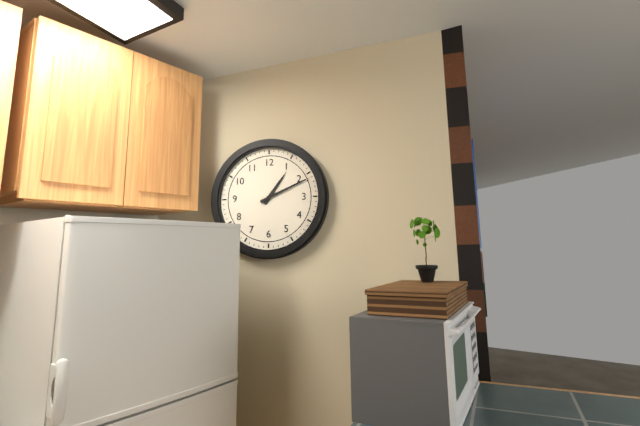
**1:11**
